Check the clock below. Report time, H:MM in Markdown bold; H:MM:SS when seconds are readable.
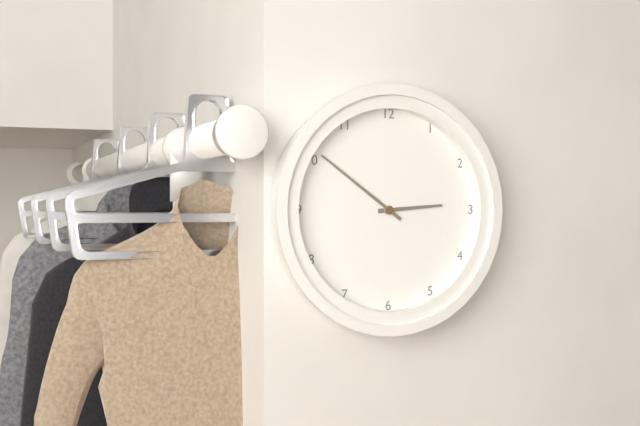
**2:51**
